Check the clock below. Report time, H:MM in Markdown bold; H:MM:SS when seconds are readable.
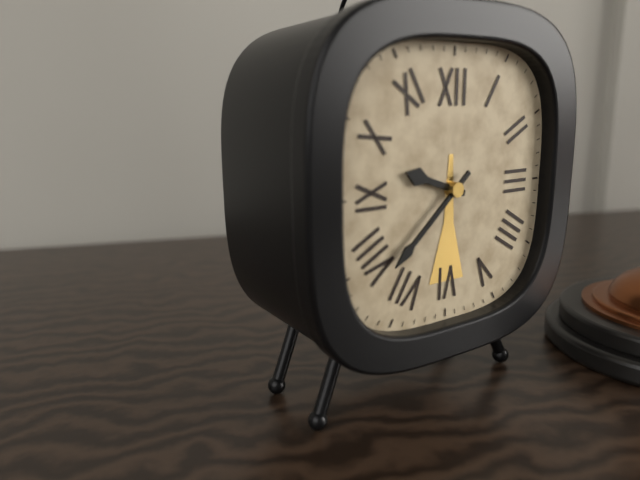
**9:38**
